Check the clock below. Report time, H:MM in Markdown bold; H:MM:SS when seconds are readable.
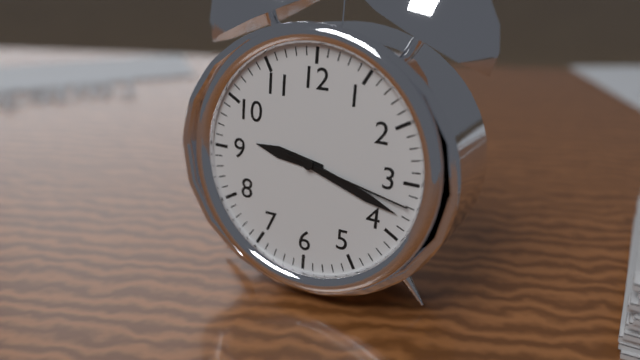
**9:18:17**
